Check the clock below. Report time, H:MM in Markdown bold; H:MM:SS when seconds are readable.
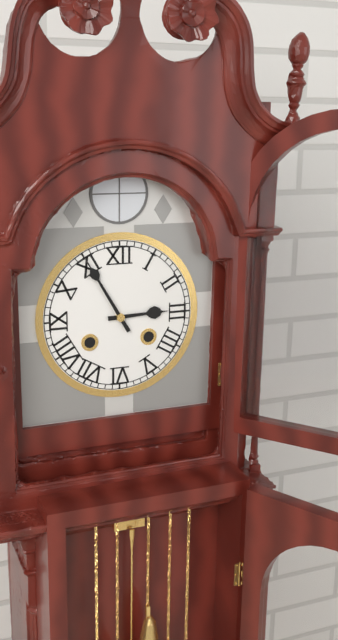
**2:55**
